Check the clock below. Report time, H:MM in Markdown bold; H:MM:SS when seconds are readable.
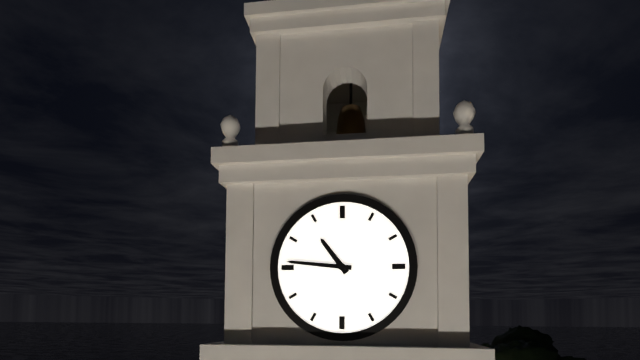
**10:46**
